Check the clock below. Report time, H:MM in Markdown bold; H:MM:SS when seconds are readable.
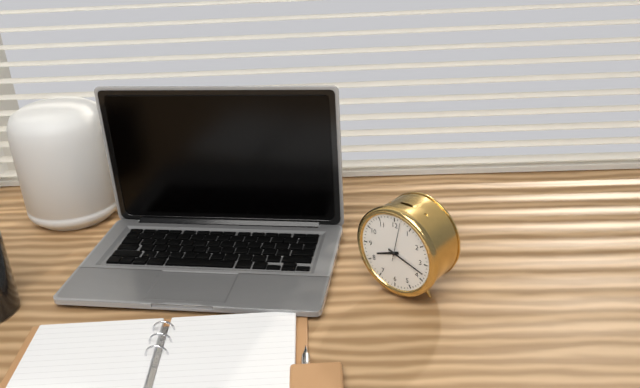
**8:18**
